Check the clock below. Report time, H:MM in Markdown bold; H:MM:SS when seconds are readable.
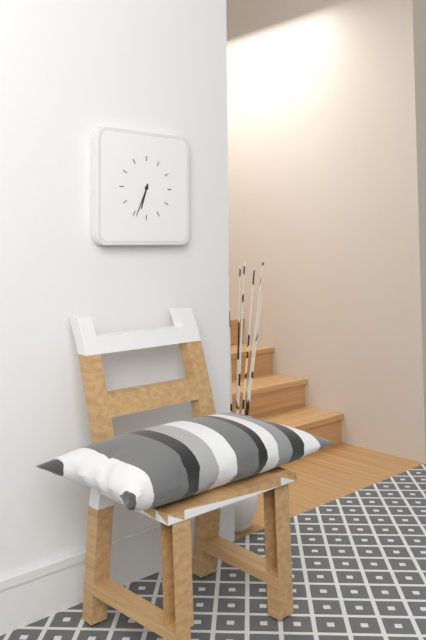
**6:34**
